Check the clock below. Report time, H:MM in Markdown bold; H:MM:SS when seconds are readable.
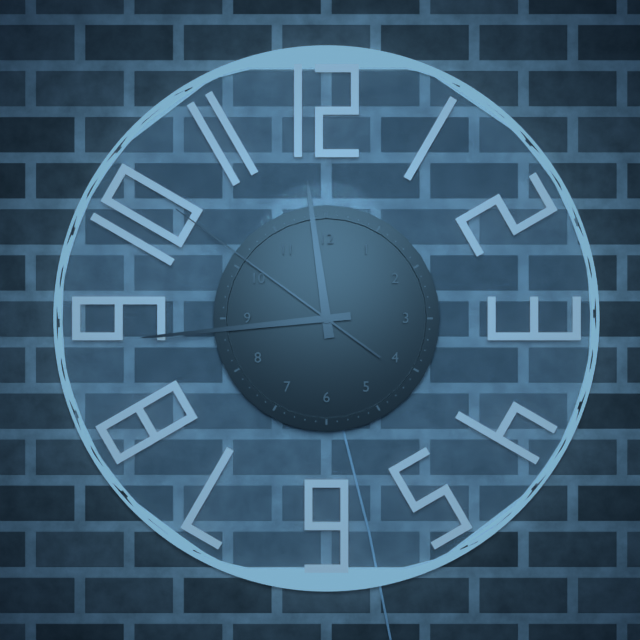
**11:44:51**
